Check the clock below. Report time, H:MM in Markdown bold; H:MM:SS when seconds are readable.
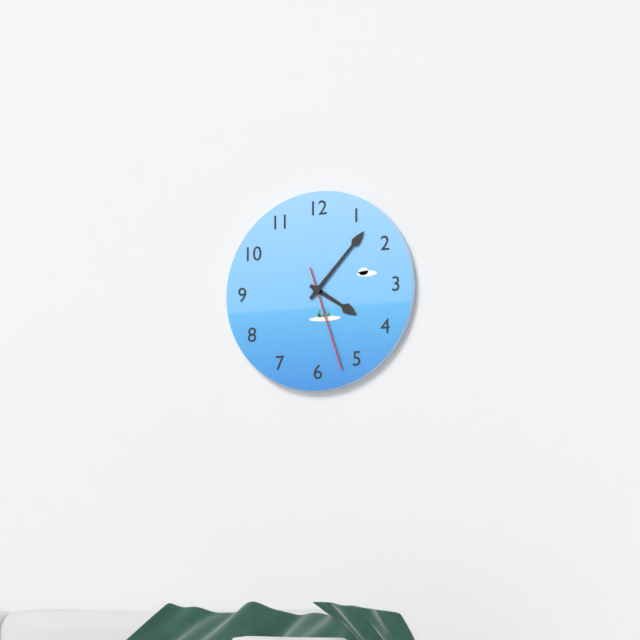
**4:07:27**
